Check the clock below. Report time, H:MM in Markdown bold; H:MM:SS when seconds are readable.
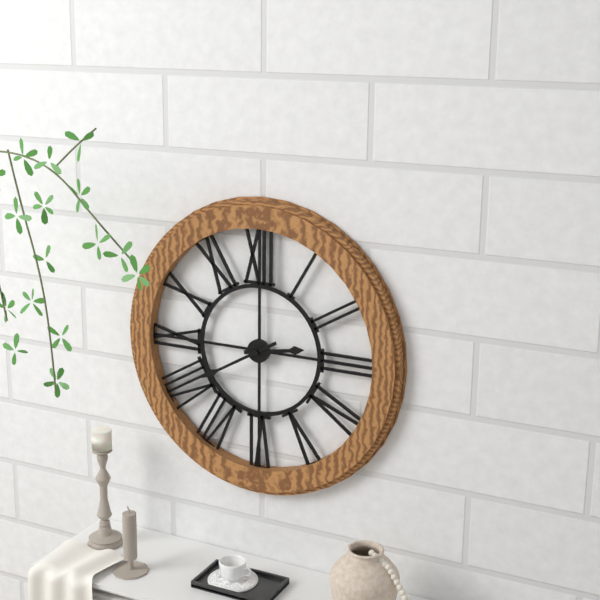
**2:40**
